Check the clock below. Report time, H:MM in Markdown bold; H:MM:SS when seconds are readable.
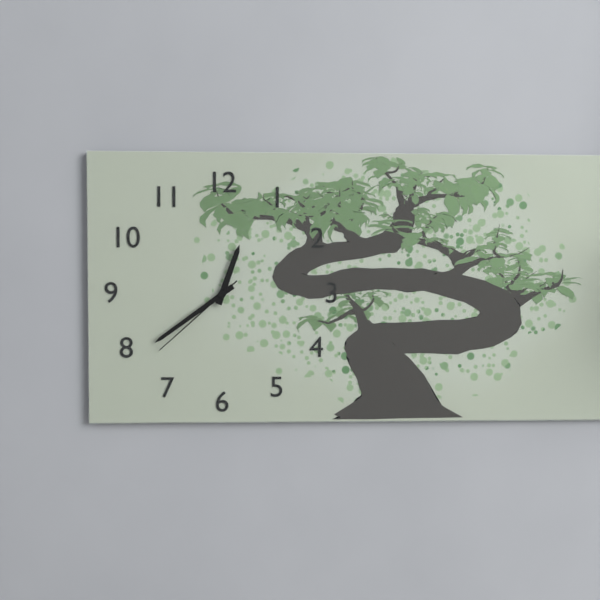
**12:39:38**
